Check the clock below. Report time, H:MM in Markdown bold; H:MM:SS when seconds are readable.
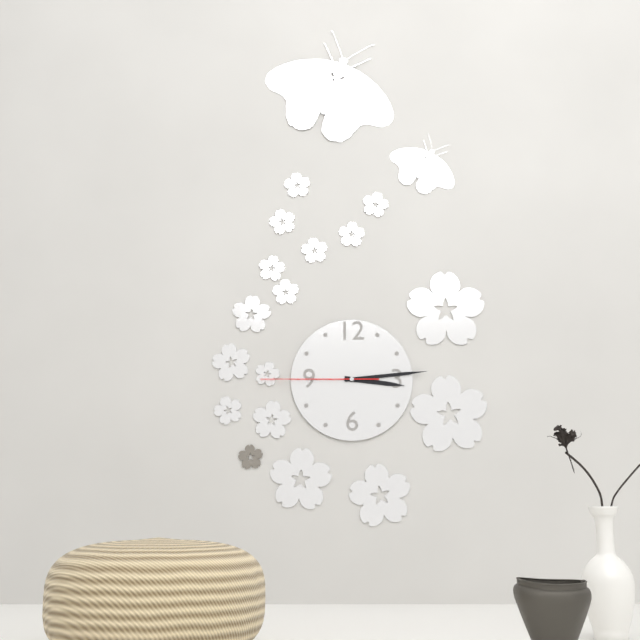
**3:14:45**
